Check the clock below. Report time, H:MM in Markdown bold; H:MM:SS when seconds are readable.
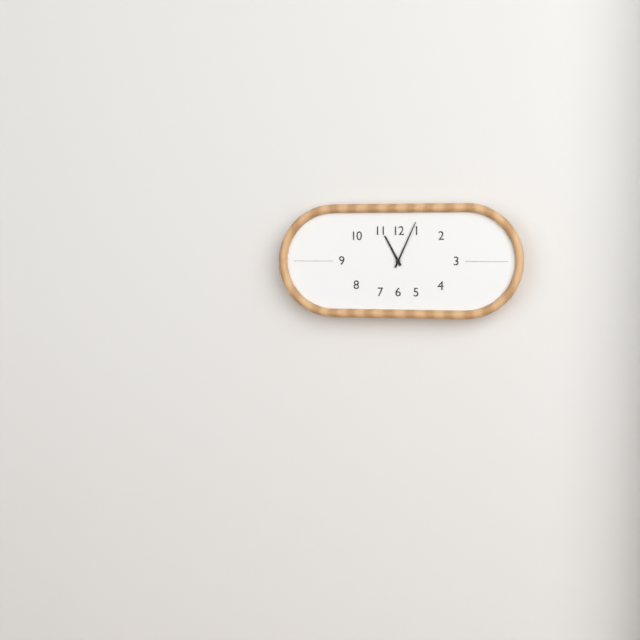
**11:04**
